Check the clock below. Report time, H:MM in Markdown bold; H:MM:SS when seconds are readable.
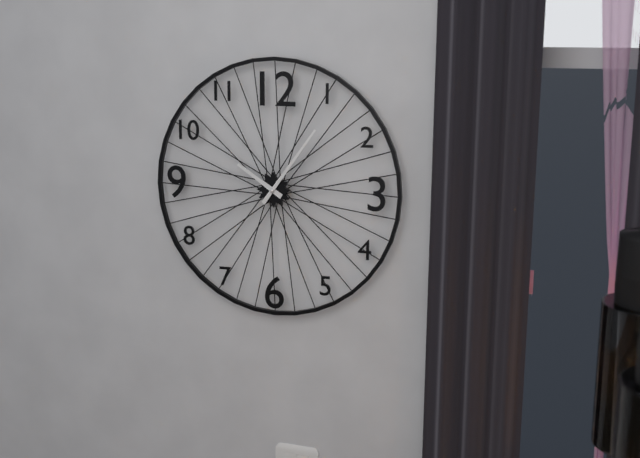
**10:06**
